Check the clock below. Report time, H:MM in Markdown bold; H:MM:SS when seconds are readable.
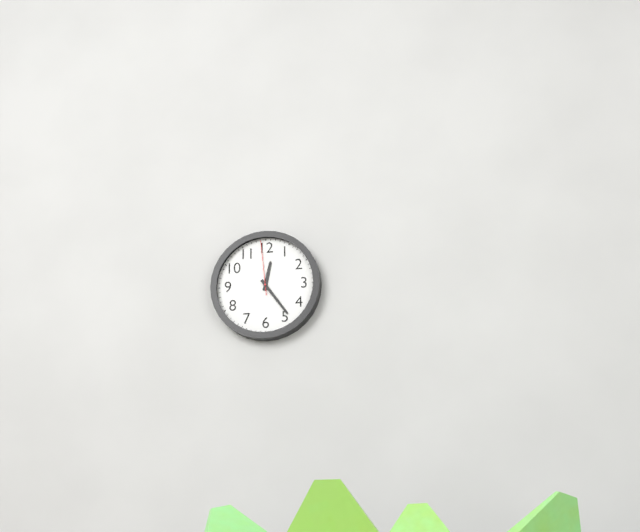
**12:24:59**
